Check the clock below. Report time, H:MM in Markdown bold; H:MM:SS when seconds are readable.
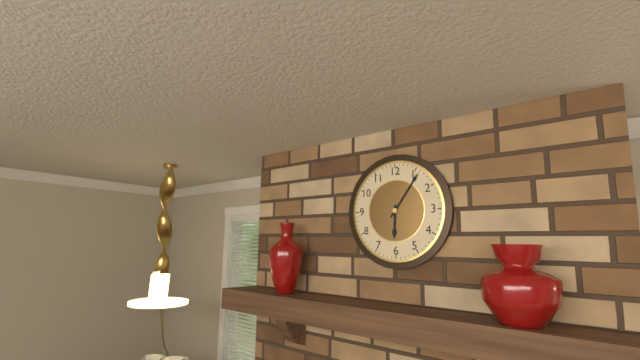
**6:06**
